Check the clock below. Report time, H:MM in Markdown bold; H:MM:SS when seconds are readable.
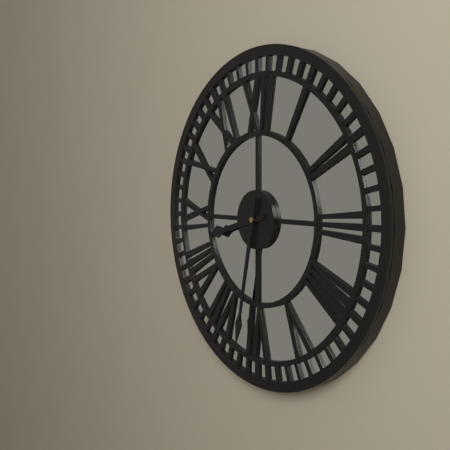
**8:32**
